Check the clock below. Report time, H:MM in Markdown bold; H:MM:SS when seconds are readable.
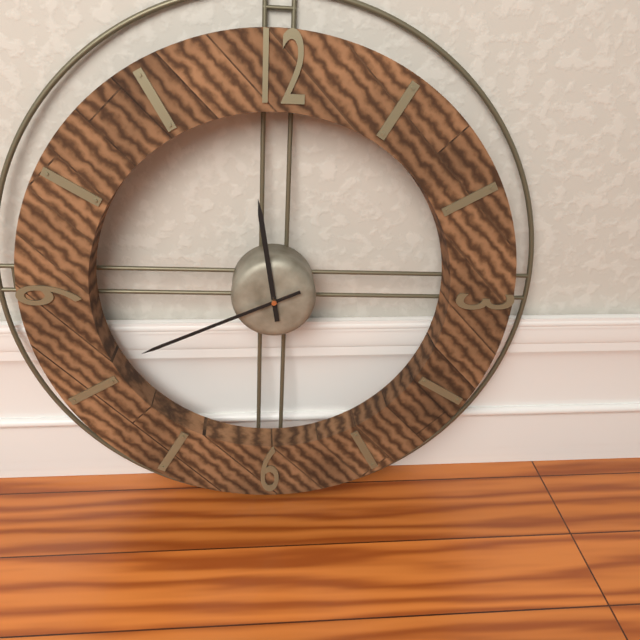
**11:41**
